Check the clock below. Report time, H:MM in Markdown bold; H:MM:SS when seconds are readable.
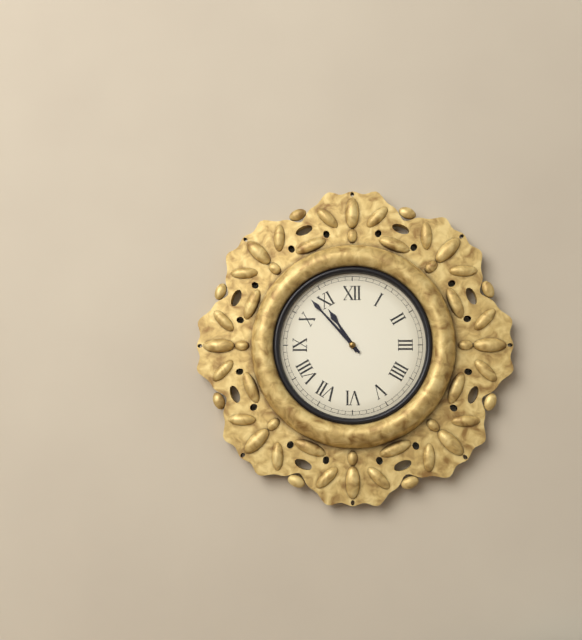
**10:53**
